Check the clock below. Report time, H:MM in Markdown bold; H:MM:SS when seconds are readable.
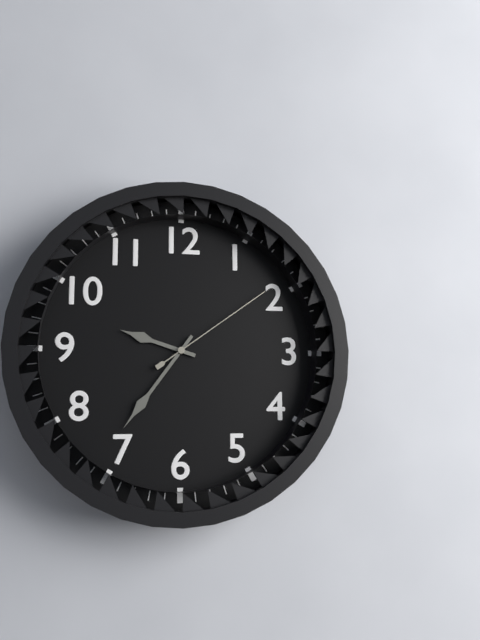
**9:36:09**
